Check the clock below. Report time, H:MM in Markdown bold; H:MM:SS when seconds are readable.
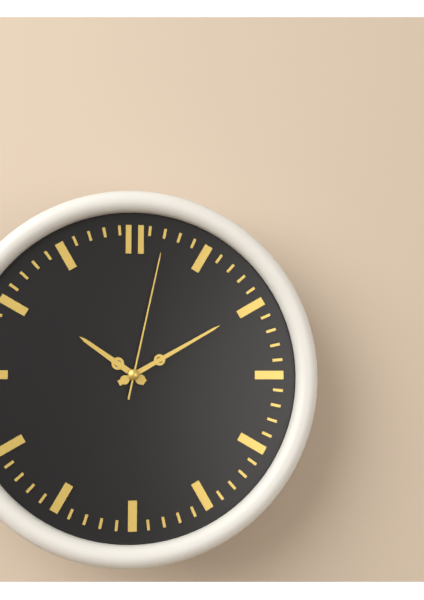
**10:10:02**
